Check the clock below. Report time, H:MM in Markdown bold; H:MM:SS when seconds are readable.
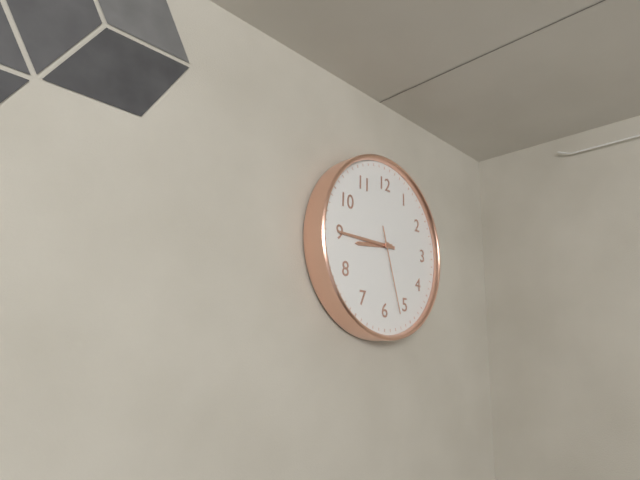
**8:45:27**
